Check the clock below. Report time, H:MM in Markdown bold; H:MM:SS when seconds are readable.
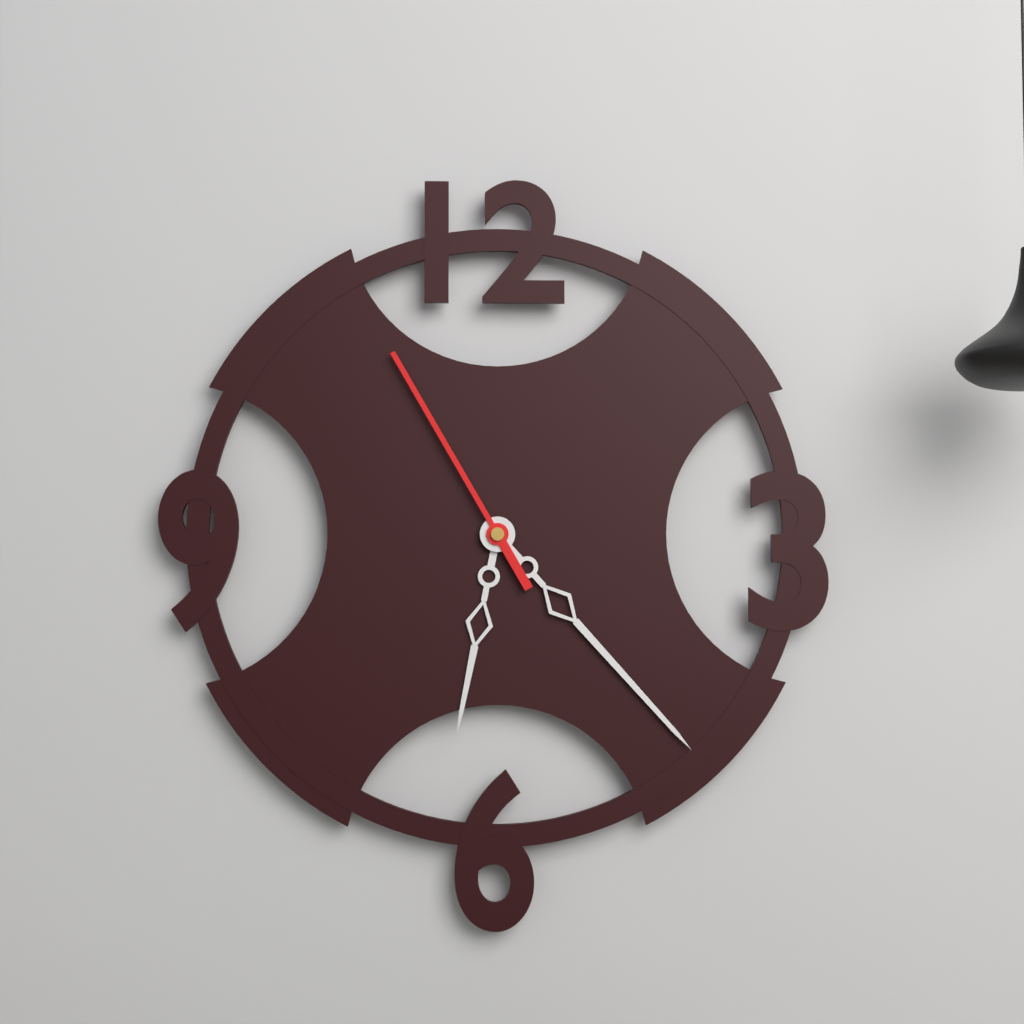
**6:23:55**
